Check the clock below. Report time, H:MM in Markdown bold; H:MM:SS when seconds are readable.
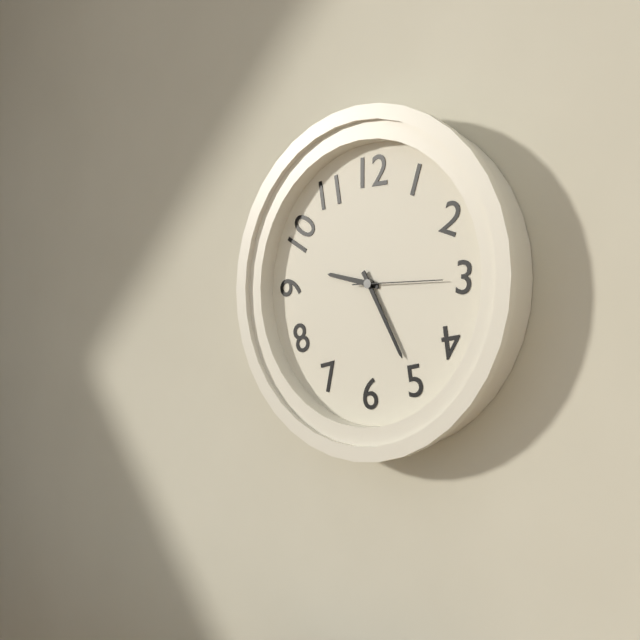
**9:25:15**
